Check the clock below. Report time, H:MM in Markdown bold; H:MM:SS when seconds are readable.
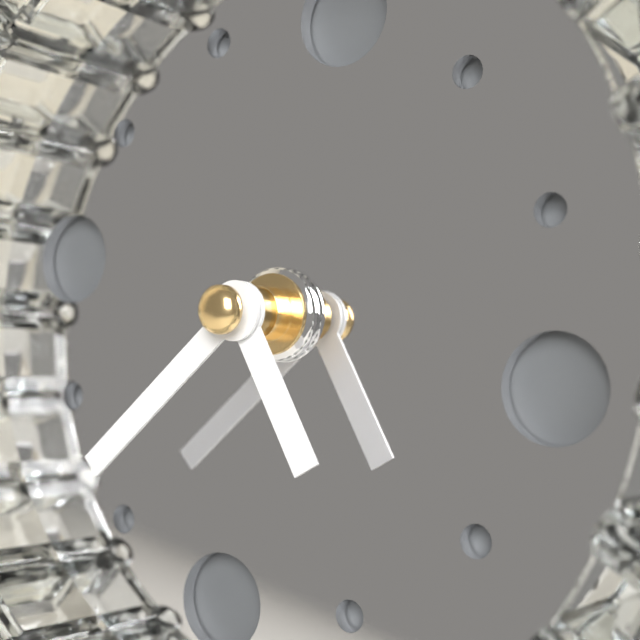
**4:36**
